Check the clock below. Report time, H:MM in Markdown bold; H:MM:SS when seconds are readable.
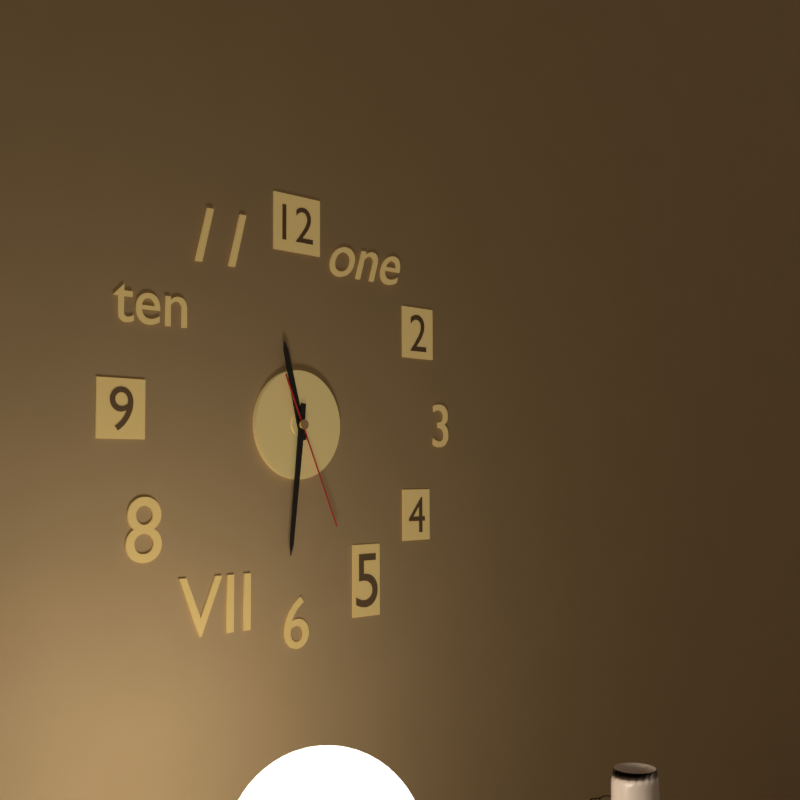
**11:31:26**
